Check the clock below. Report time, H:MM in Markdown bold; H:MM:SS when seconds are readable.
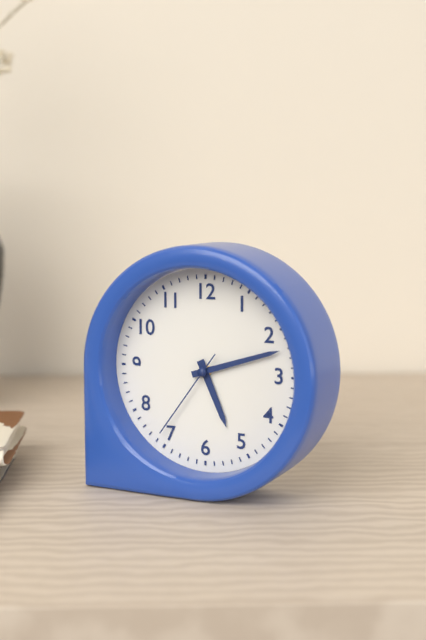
**5:12:36**
